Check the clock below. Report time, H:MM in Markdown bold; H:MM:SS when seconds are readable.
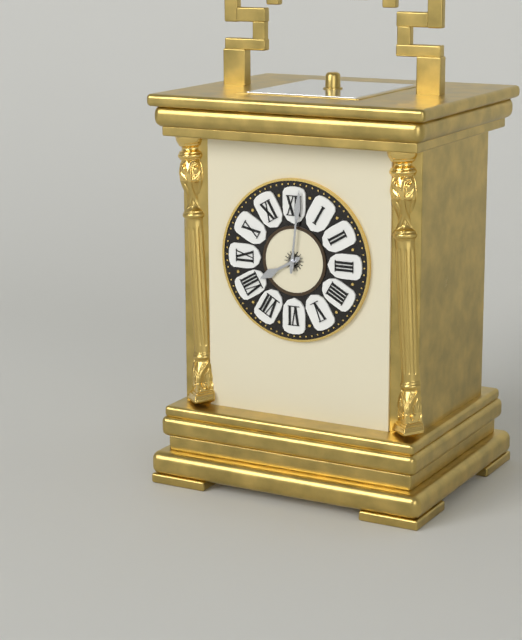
**8:01**
